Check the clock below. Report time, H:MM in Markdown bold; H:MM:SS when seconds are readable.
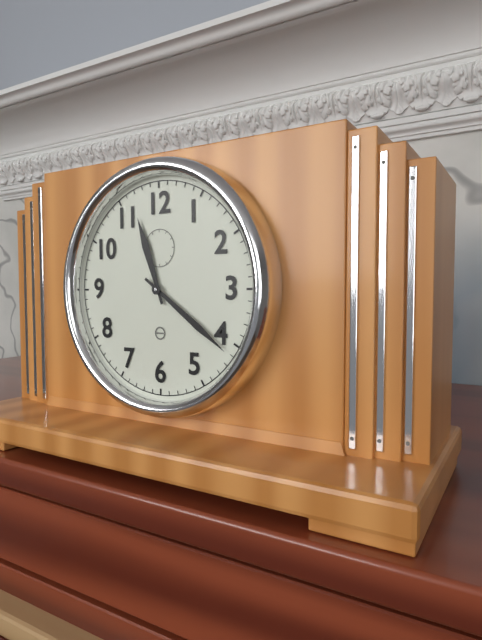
**11:21**
